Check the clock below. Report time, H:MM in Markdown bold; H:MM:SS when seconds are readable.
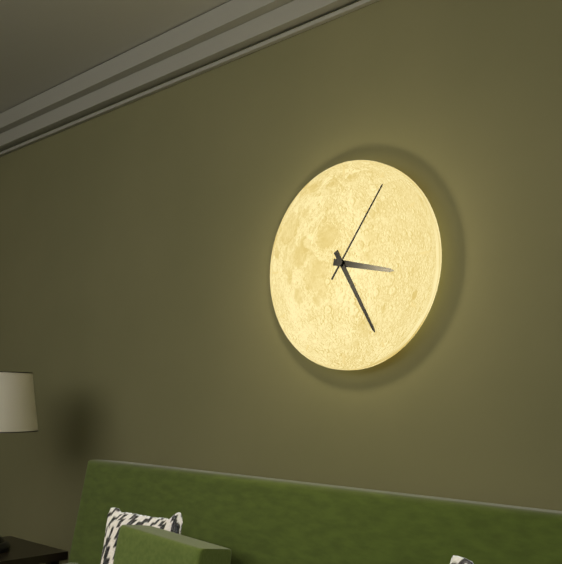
**3:25:06**
